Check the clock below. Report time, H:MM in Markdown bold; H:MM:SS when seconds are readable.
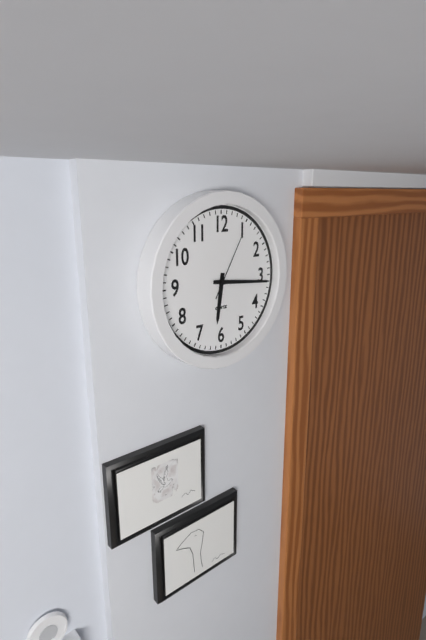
**6:16:05**
